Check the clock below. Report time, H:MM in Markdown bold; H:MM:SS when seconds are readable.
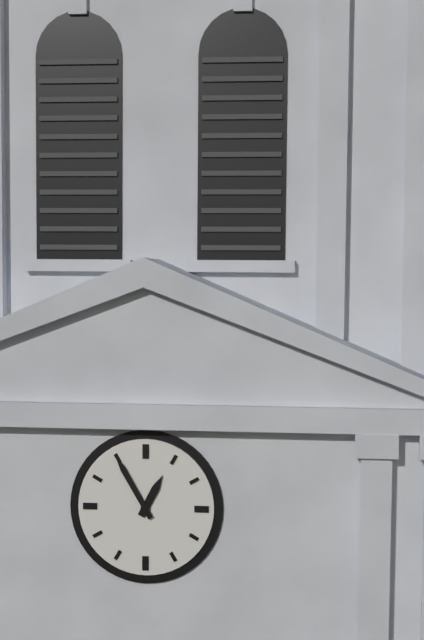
**12:55**
